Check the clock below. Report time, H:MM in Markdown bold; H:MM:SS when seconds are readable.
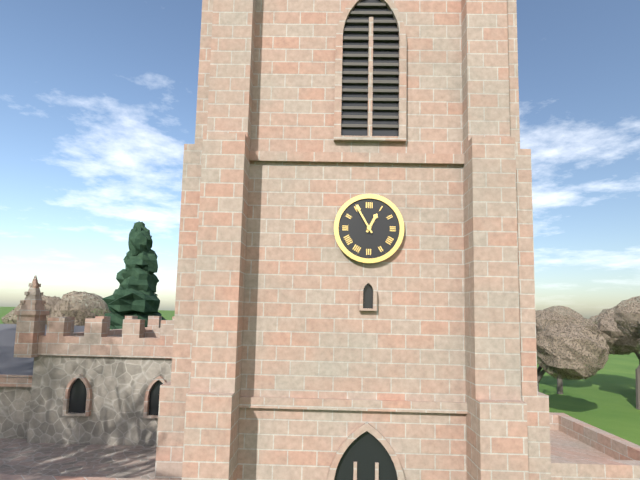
**12:55**
